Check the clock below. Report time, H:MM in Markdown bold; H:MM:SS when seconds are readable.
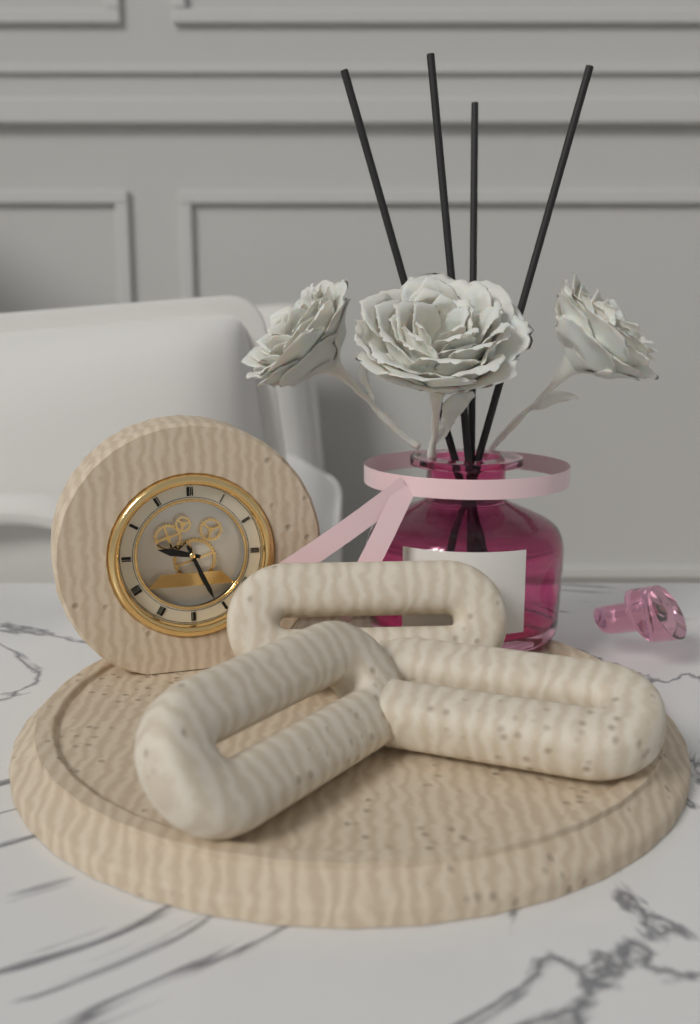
**9:26**
